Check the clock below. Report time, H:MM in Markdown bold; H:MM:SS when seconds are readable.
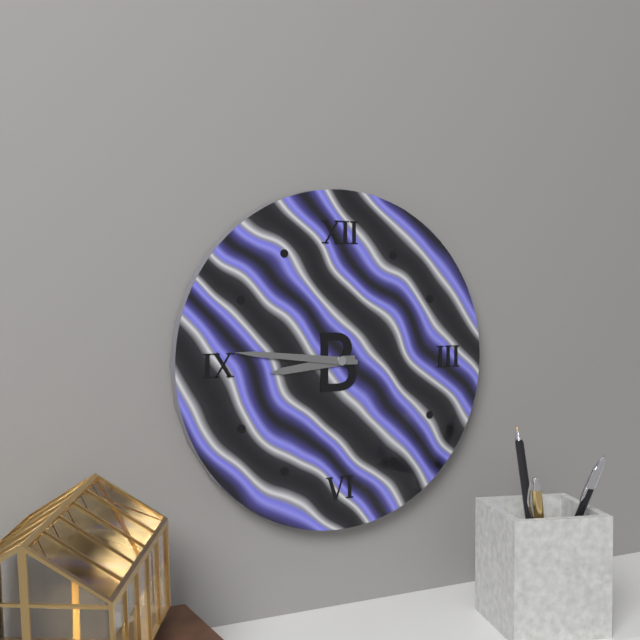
**8:46**
